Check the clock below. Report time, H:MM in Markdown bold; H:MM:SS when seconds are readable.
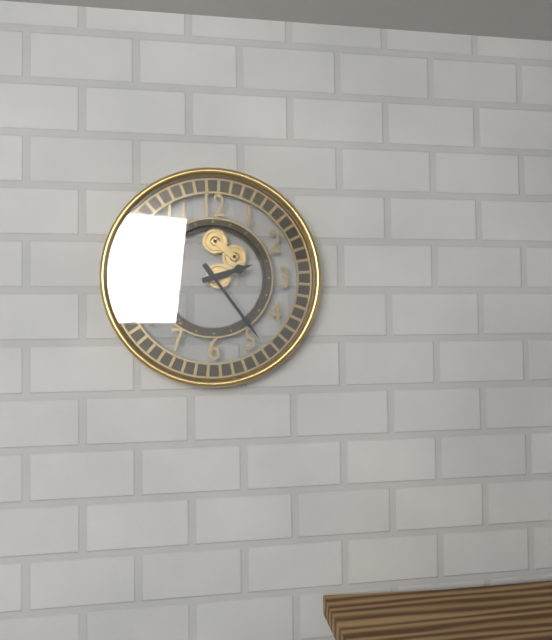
**2:24**
